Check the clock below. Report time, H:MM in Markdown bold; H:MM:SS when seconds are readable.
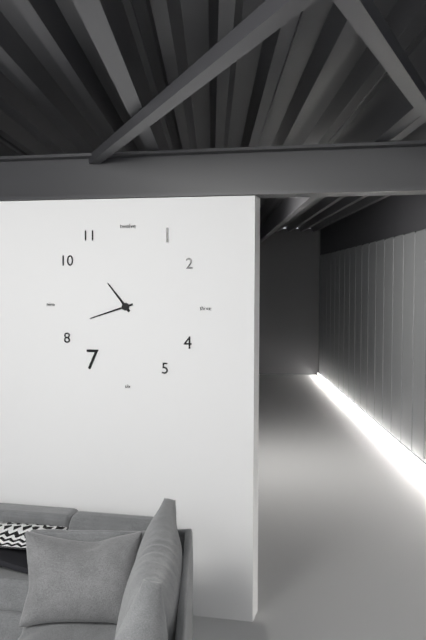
**10:42**
